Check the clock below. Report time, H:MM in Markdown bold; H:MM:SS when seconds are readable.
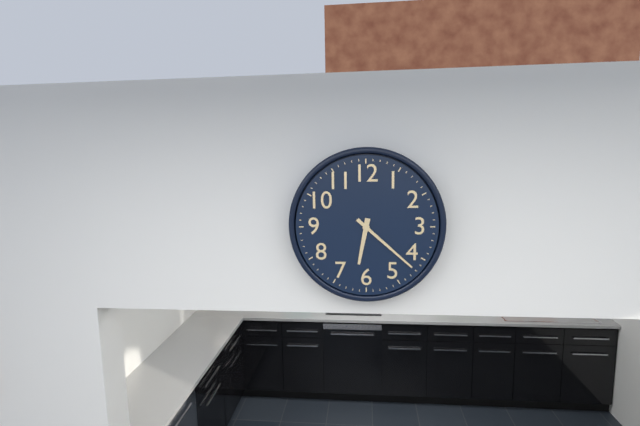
**6:22**
